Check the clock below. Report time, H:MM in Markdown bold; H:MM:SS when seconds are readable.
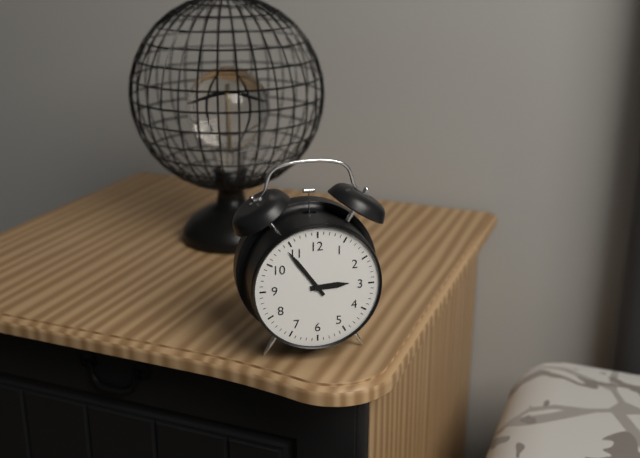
**2:54**
